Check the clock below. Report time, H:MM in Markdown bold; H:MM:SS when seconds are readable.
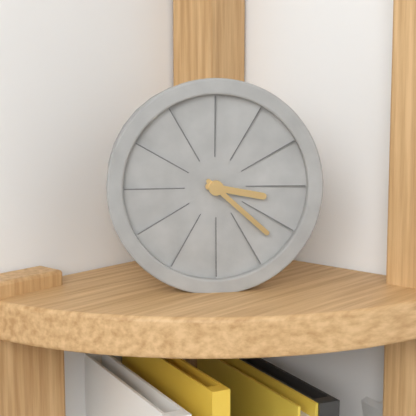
**3:22**
